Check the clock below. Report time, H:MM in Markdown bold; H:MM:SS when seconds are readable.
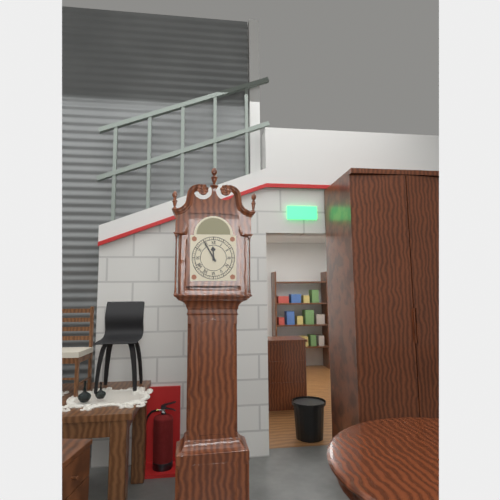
**11:55**
